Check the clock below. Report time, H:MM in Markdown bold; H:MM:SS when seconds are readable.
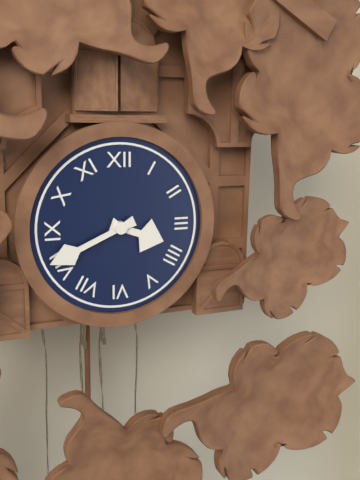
**3:41**
